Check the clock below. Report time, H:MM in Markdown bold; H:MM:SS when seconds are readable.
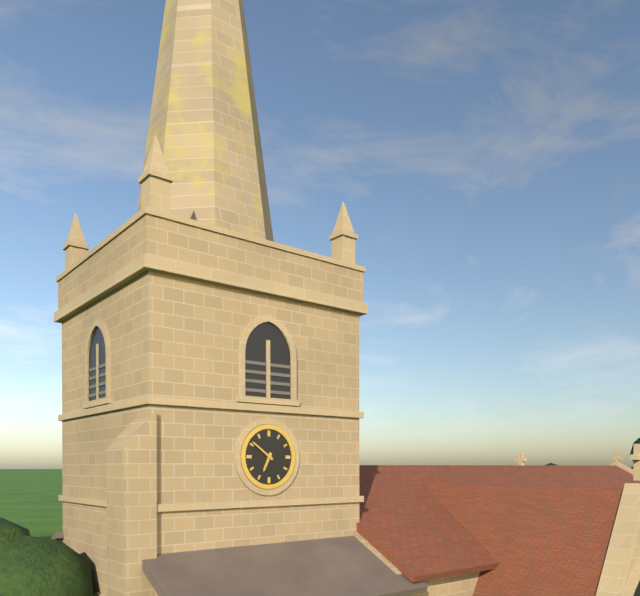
**6:51**
